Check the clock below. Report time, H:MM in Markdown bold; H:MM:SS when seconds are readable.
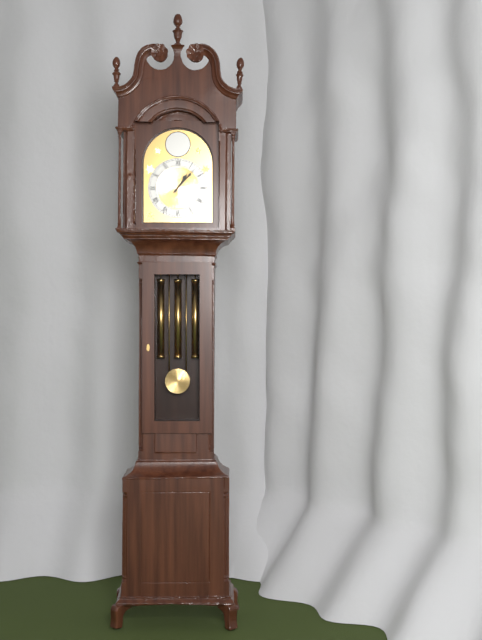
**1:07**
